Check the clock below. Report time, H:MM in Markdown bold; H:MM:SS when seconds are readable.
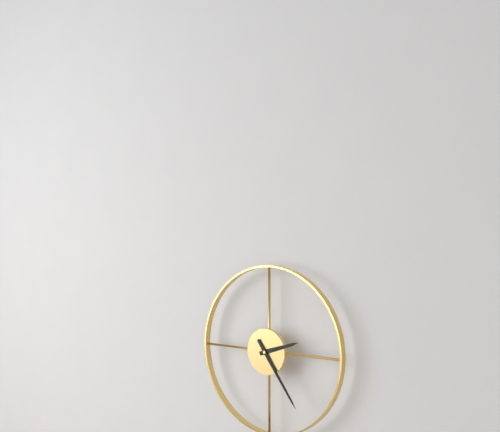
**2:24**
